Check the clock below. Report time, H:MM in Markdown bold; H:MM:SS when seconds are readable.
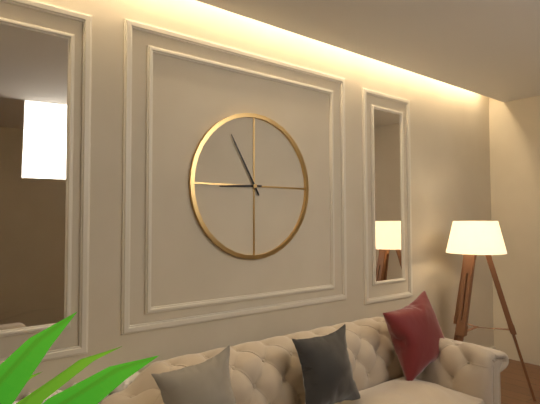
**8:55**
